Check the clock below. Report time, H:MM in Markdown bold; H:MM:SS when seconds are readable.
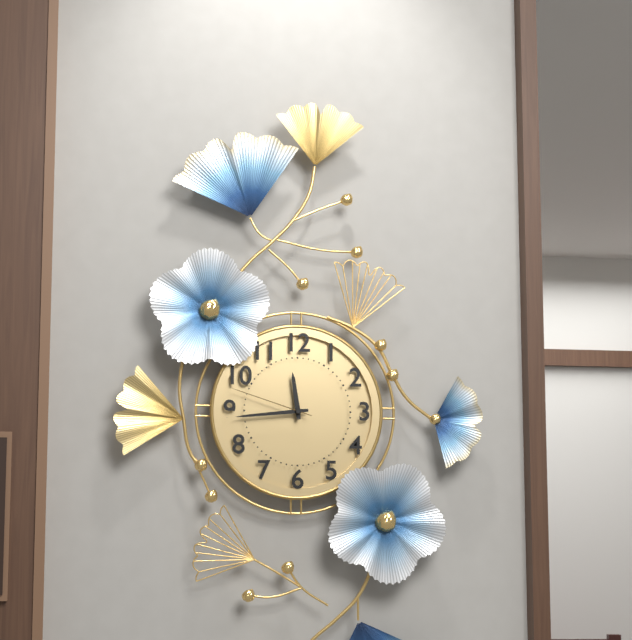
**11:44:48**
